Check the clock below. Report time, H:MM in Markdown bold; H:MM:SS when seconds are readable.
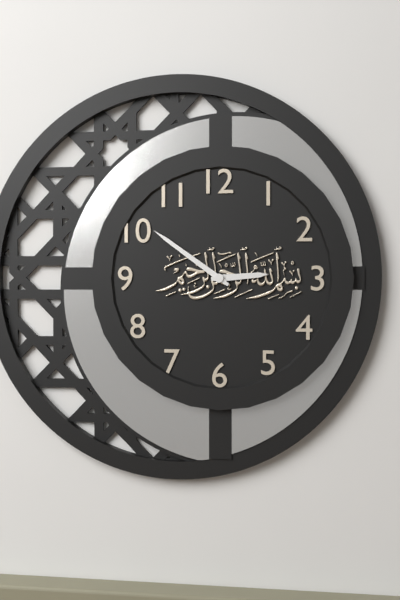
**2:51**
